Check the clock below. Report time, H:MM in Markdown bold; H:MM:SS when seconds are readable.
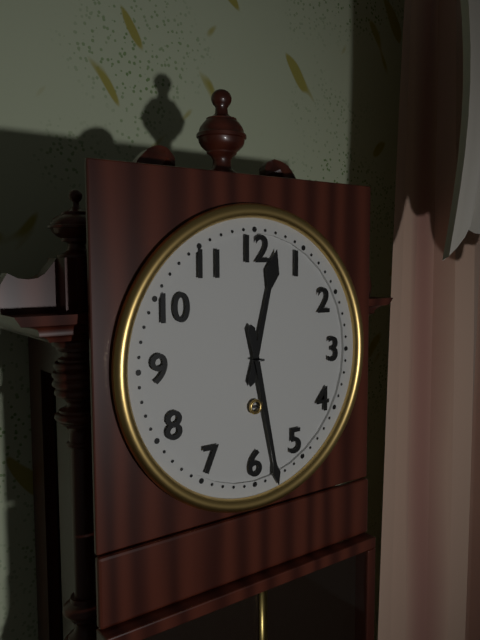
**12:28**
